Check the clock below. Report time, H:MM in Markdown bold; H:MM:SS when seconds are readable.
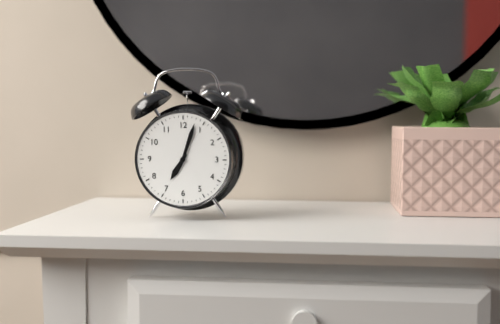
**7:03**
